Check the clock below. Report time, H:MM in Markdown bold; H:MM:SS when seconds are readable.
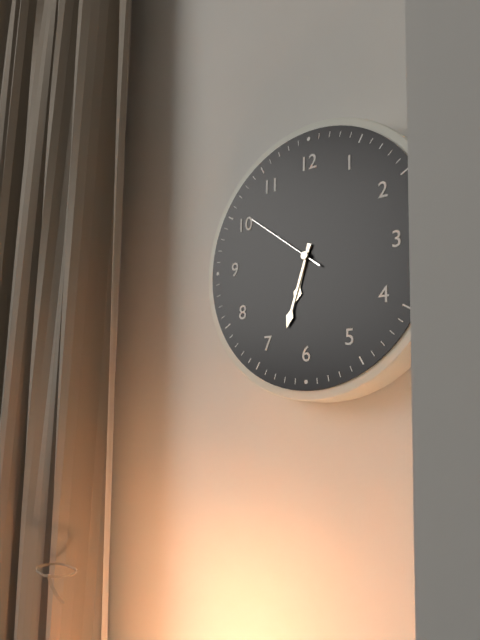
**6:33:51**
